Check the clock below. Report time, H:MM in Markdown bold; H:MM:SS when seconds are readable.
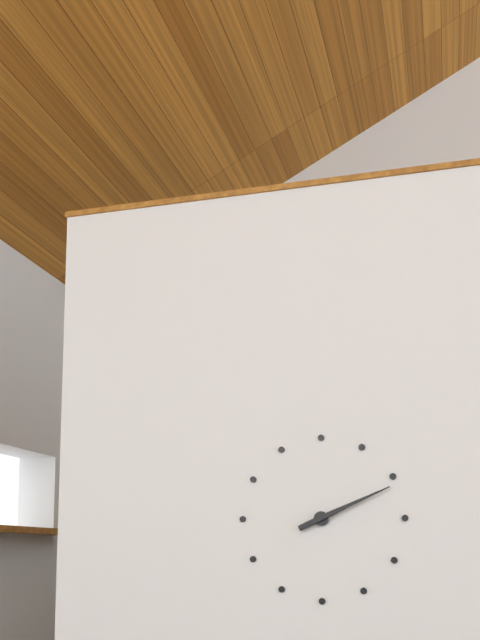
**2:11**
